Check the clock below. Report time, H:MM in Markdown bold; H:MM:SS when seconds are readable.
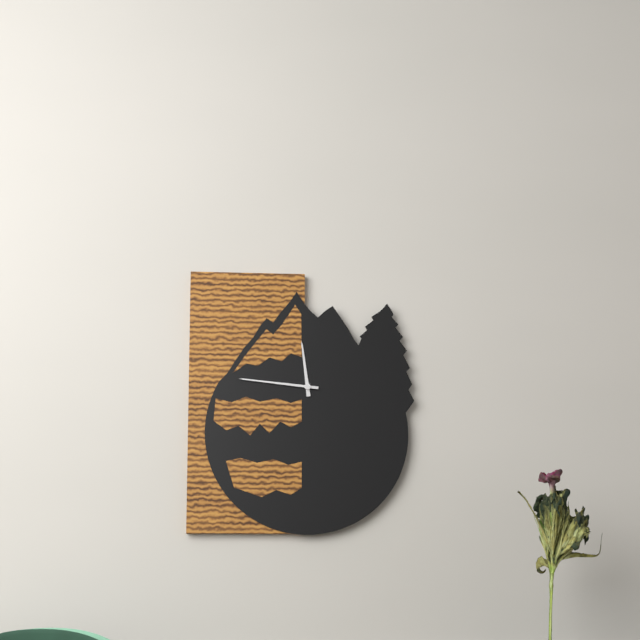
**11:46**
